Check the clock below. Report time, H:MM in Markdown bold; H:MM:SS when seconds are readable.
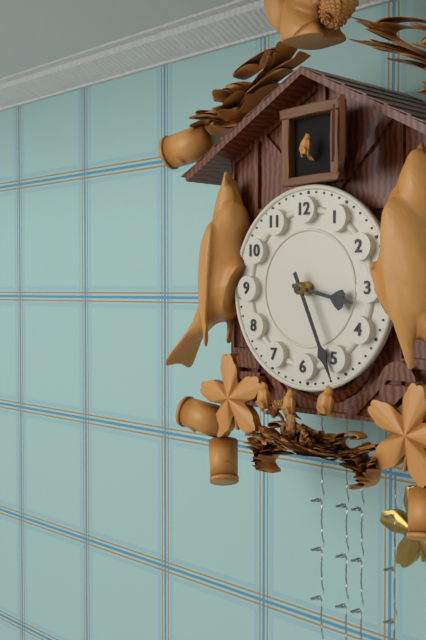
**3:26**
